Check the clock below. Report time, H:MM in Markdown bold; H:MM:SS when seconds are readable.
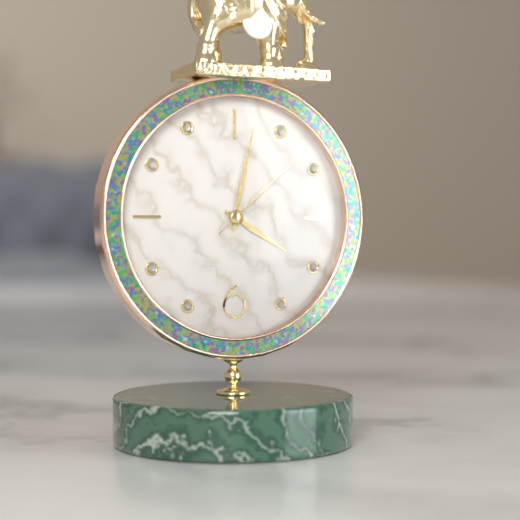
**4:02:08**
